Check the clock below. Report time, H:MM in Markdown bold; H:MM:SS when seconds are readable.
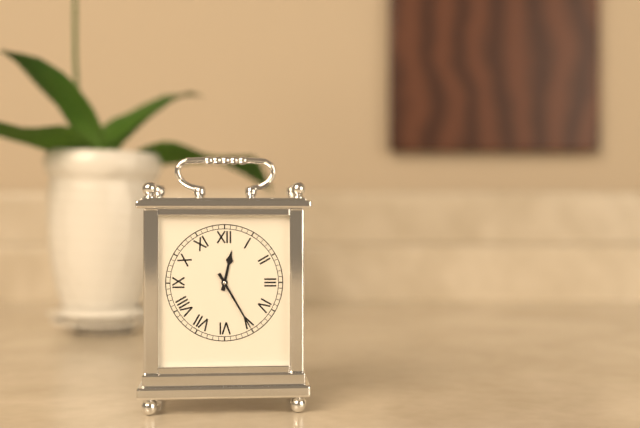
**12:25**
